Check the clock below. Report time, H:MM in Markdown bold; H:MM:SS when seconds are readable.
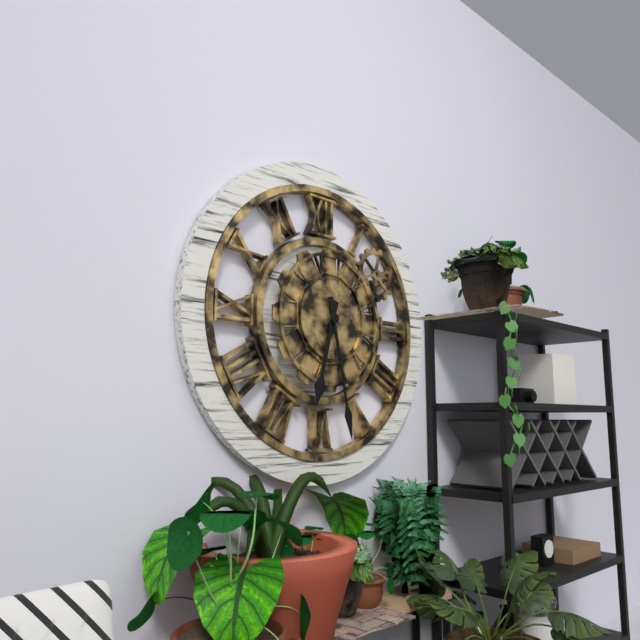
**6:28**
